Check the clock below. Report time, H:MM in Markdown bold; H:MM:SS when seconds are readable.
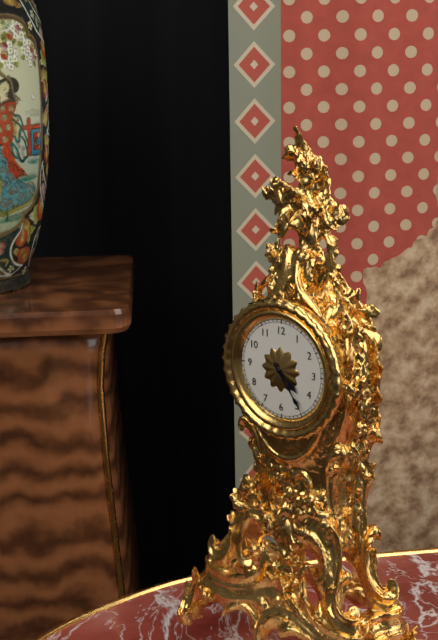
**4:24**
